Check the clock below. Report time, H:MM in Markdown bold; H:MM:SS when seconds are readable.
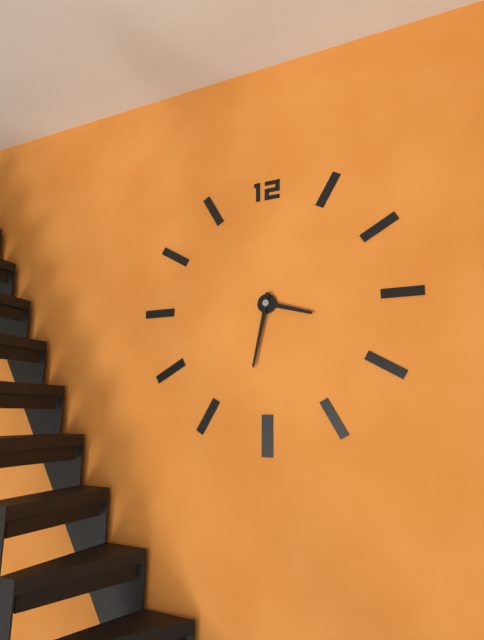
**3:32**
